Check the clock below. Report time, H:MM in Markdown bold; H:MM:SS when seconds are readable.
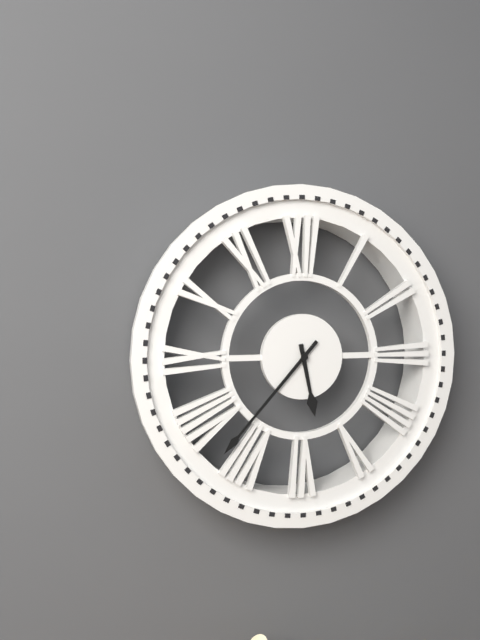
**5:37**
